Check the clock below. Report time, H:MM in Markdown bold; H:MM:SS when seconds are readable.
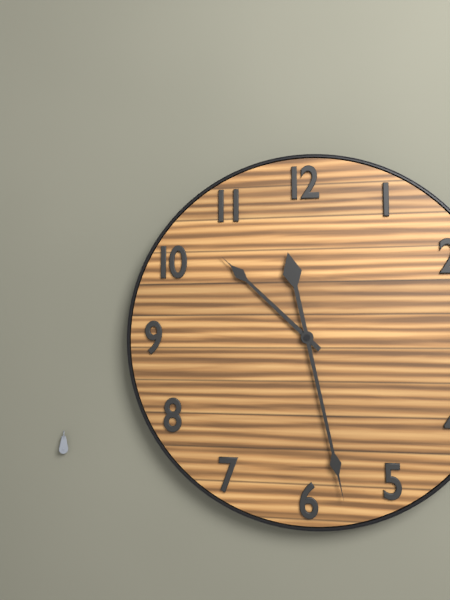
**10:28**
